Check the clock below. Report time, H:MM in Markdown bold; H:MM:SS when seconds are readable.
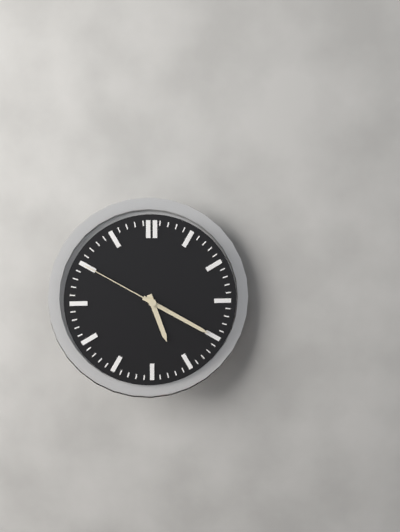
**5:20:50**
